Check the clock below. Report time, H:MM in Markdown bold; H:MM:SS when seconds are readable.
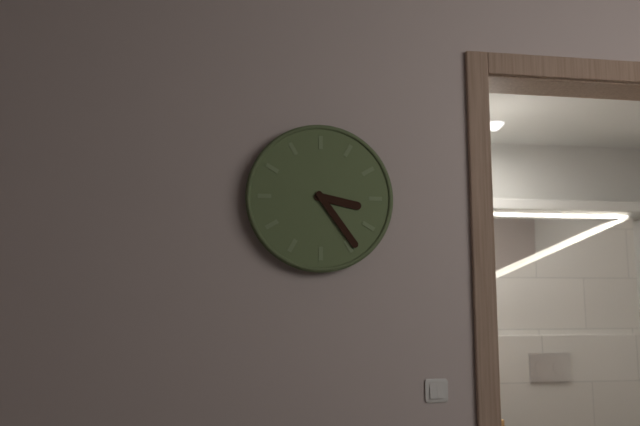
**3:24**
